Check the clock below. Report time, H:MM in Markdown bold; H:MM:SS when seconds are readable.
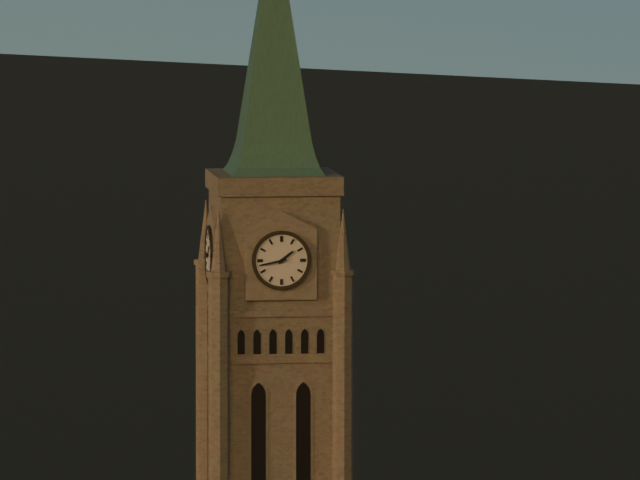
**1:43**
